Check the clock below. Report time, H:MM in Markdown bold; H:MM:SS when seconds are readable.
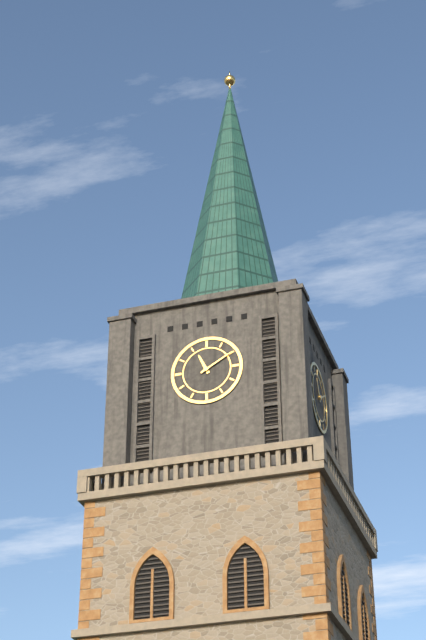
**11:10**
